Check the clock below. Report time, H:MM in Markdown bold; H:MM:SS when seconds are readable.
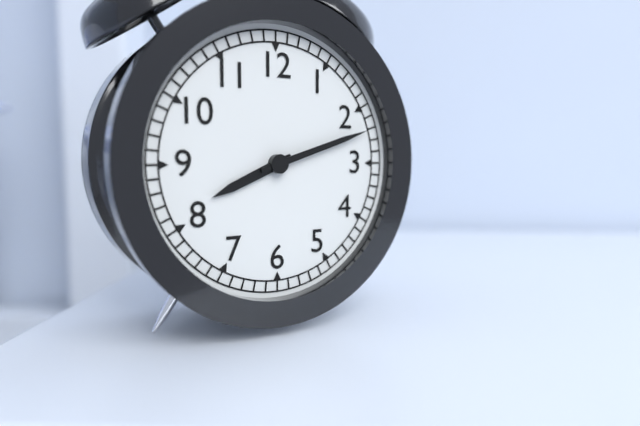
**8:12**
